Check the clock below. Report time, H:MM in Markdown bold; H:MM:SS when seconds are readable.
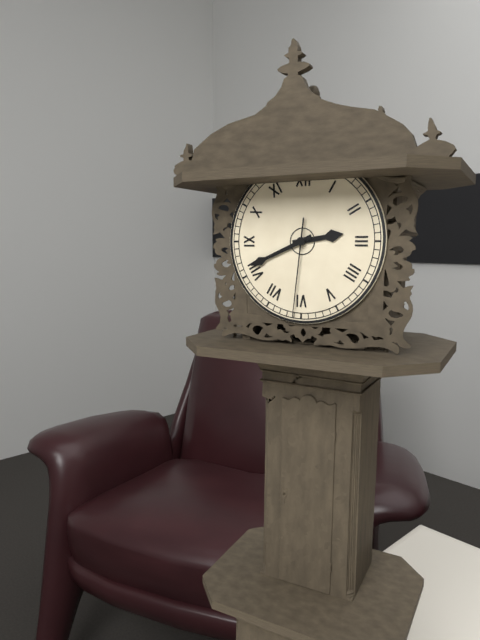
**2:41:31**
